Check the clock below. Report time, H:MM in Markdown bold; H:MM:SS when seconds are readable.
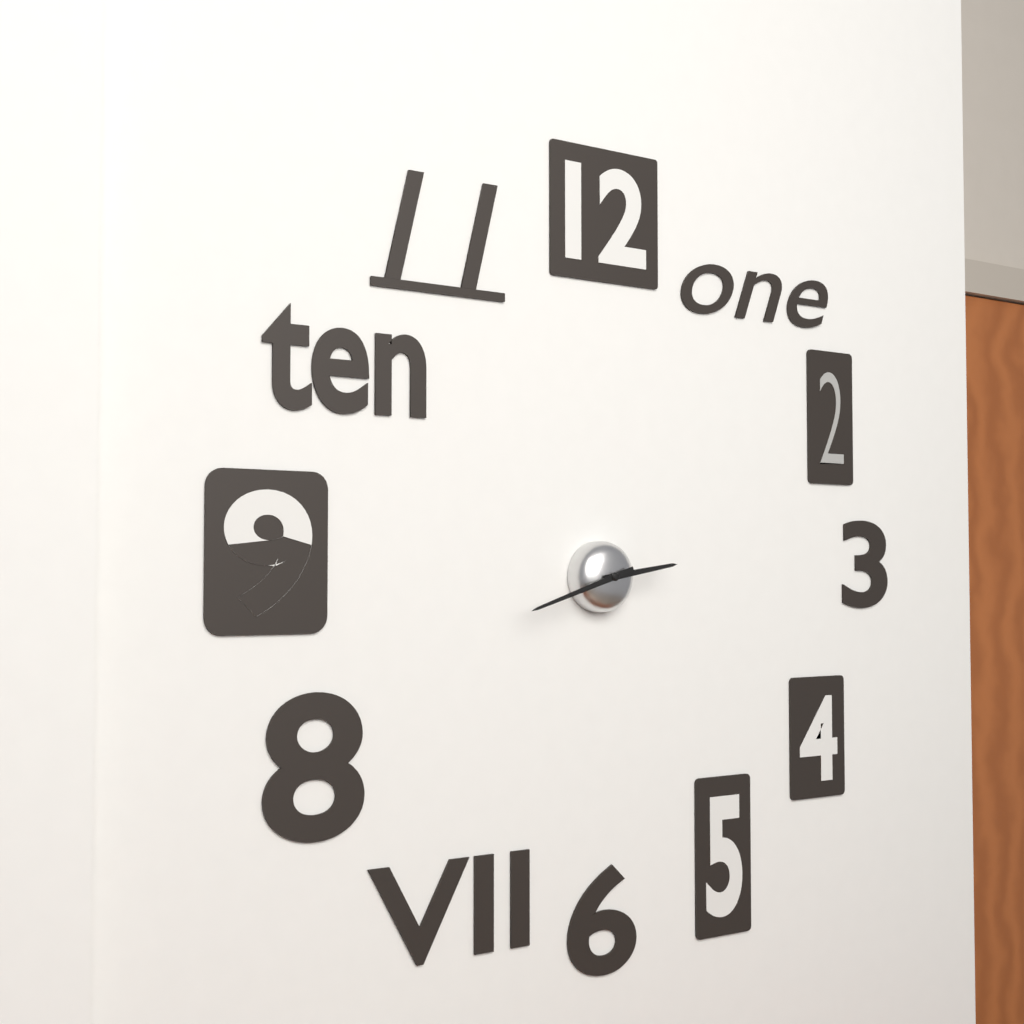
**2:42**
